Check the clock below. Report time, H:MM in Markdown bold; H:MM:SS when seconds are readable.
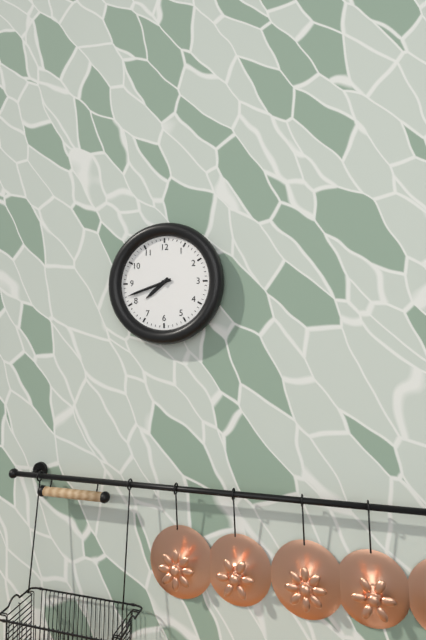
**7:42**
